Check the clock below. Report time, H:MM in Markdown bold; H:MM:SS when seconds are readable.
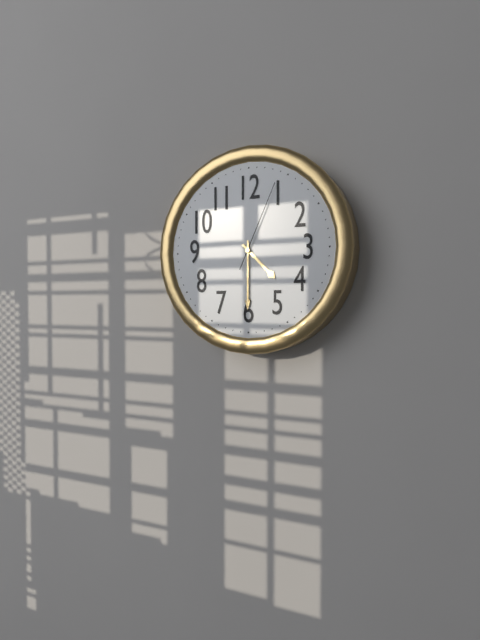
**4:30:04**
